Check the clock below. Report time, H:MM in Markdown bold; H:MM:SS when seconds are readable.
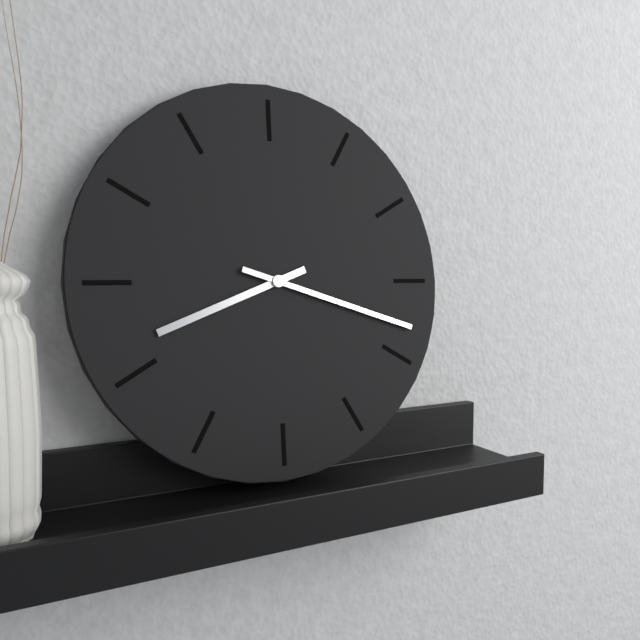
**8:18**
